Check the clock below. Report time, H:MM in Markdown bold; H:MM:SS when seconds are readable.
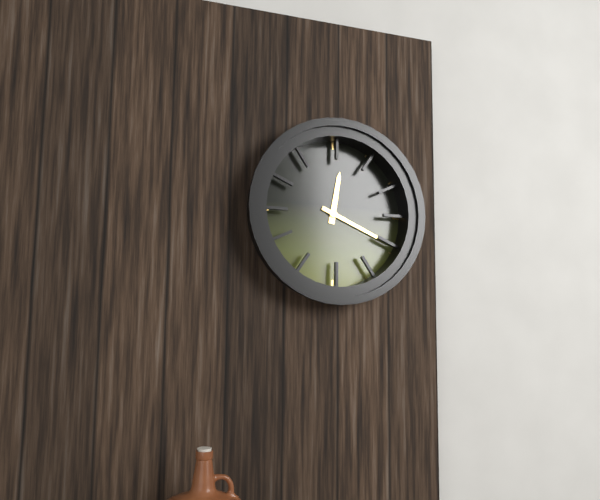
**12:19**
